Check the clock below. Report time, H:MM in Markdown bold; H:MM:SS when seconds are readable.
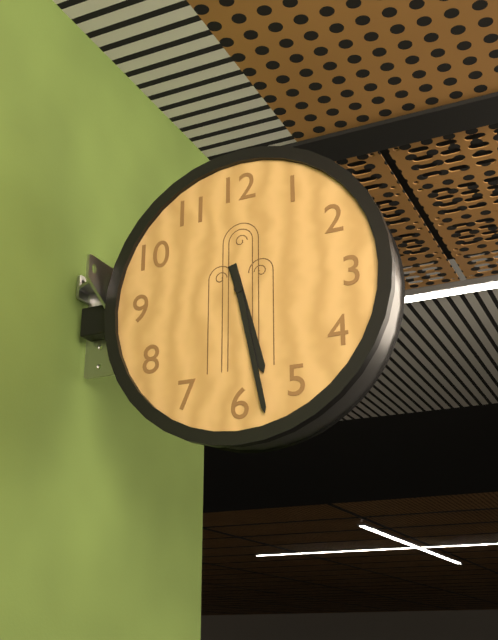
**5:28**
